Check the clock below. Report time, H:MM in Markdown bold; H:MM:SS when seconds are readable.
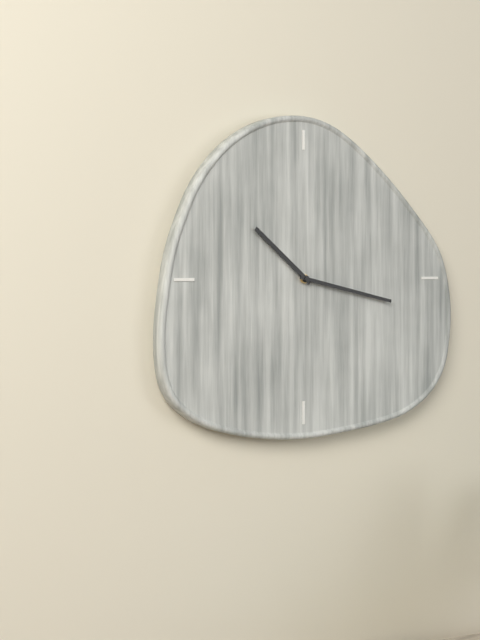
**10:17**
